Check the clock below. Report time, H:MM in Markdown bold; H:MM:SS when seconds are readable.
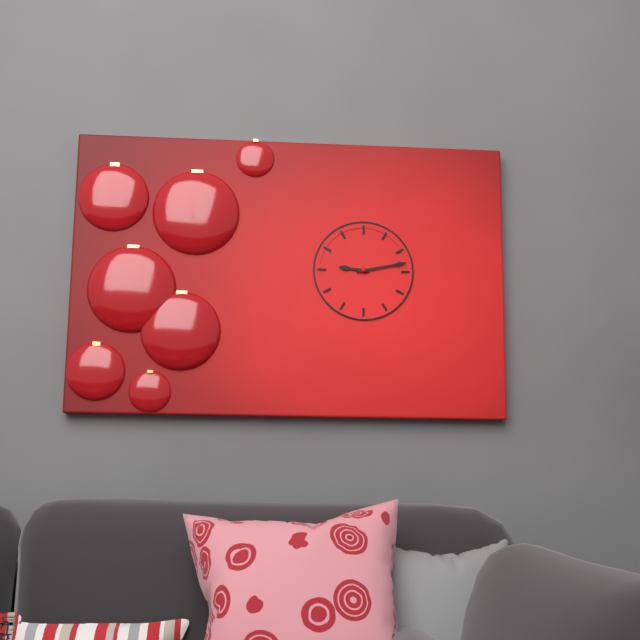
**9:13**
